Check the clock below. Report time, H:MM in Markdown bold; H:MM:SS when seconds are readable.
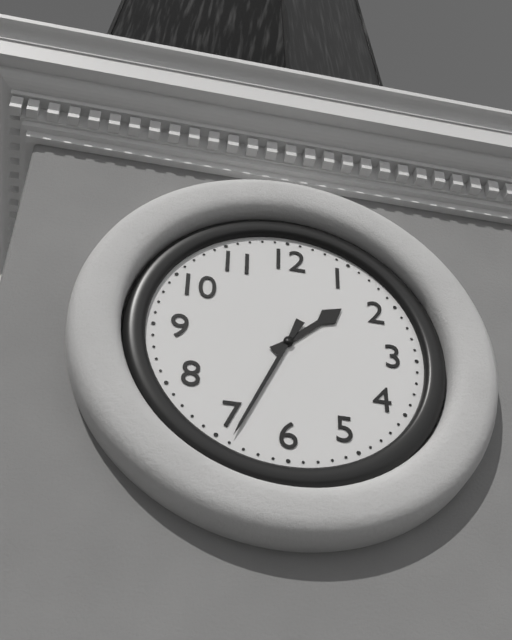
**1:34**
